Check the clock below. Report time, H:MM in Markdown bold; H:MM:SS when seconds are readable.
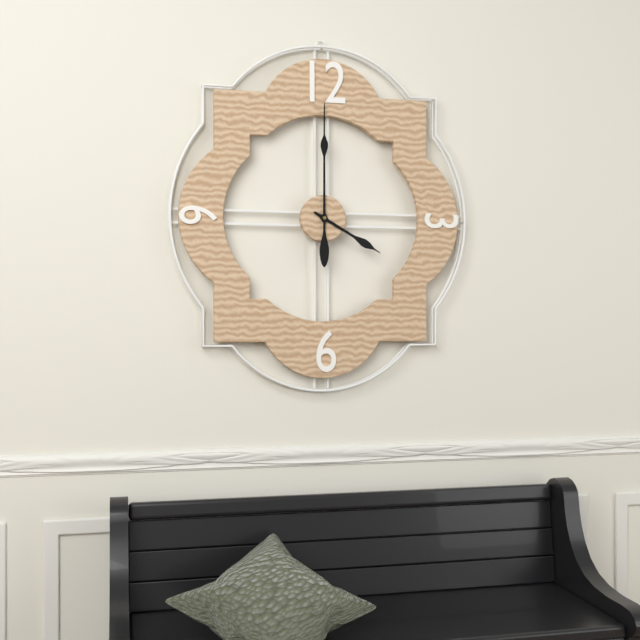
**4:00**
